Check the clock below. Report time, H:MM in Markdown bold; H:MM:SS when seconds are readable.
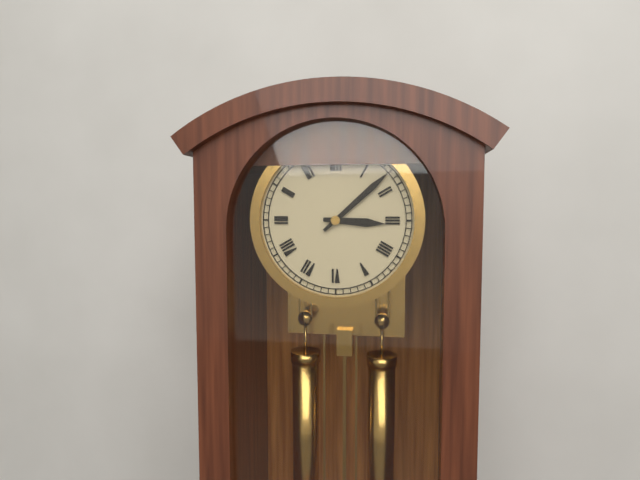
**3:08**
